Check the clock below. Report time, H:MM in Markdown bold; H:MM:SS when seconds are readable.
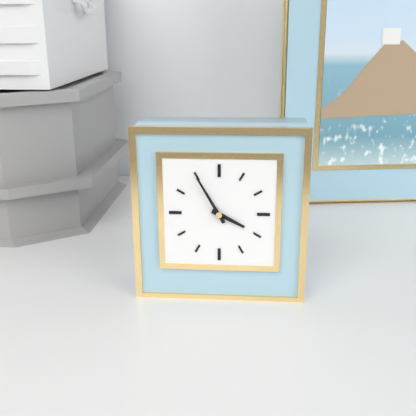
**3:55**
